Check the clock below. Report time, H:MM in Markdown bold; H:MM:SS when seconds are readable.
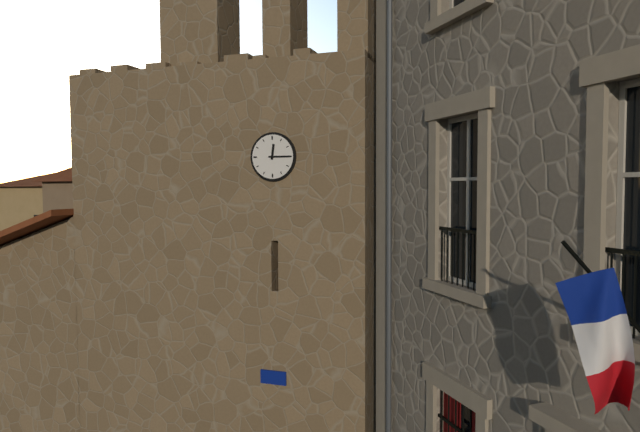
**12:15**
